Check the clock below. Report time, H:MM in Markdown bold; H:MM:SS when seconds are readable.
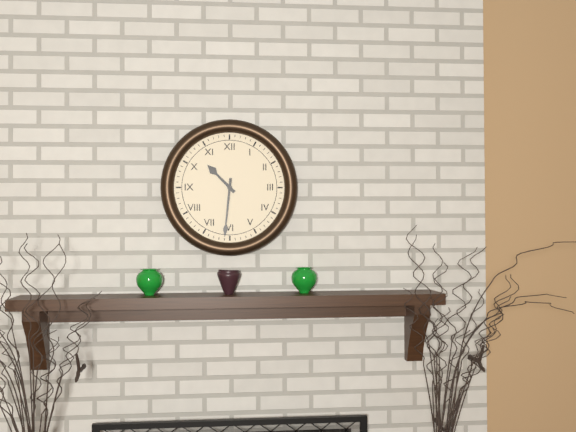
**10:31**
